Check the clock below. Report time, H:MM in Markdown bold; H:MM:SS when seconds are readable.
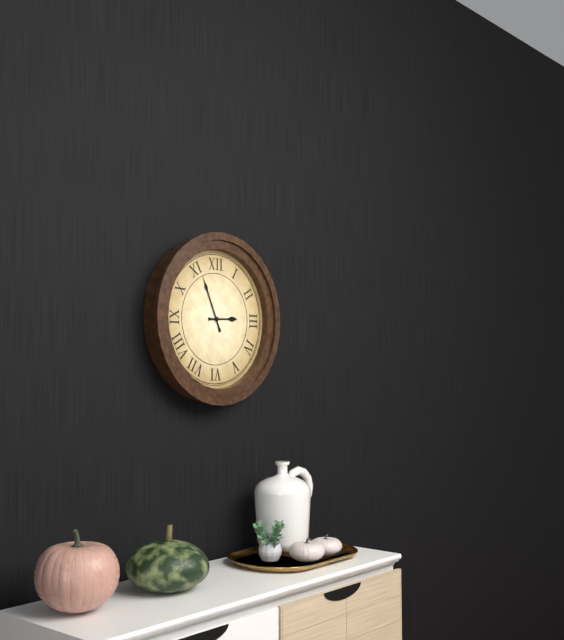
**2:56**
